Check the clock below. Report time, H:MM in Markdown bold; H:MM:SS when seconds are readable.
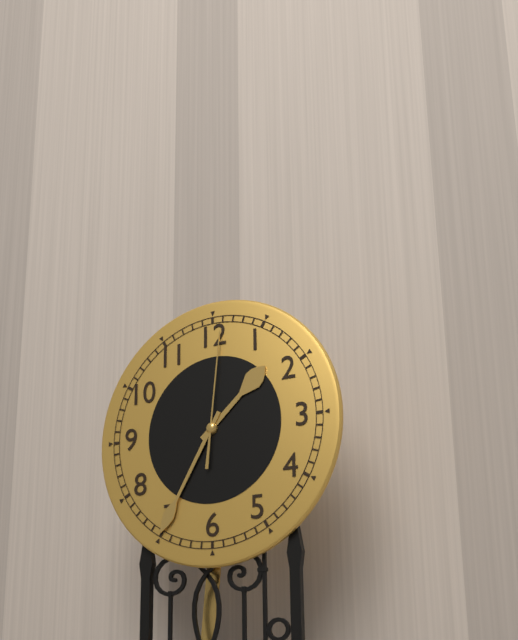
**1:35:01**
